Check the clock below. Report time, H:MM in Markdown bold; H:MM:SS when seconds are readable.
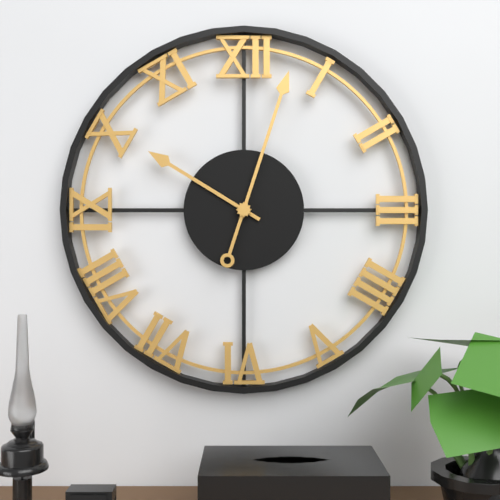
**10:03**
